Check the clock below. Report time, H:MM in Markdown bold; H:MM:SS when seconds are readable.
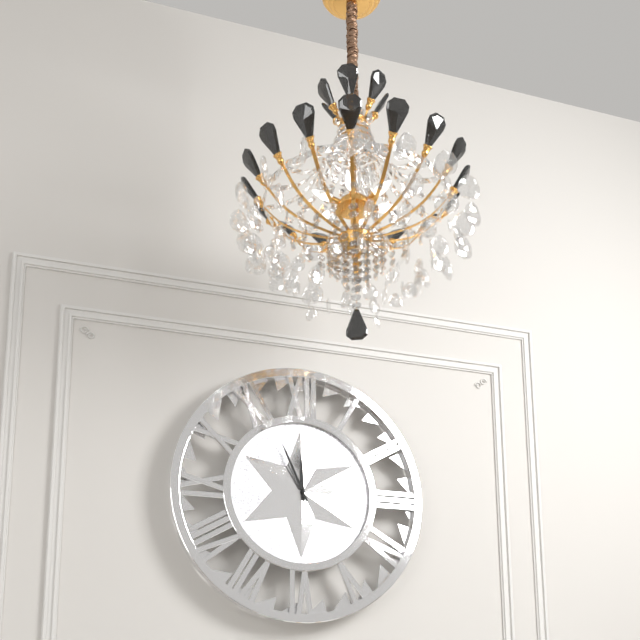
**11:56**
